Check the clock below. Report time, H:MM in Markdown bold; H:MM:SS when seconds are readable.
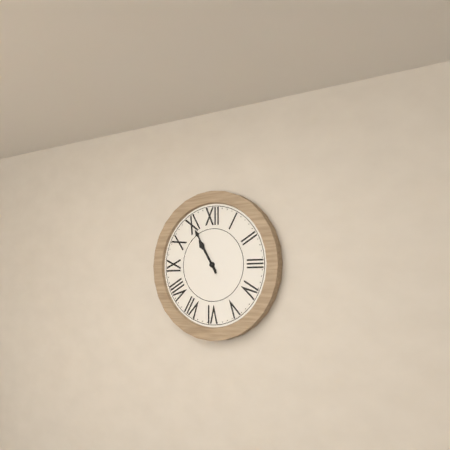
**10:55**
